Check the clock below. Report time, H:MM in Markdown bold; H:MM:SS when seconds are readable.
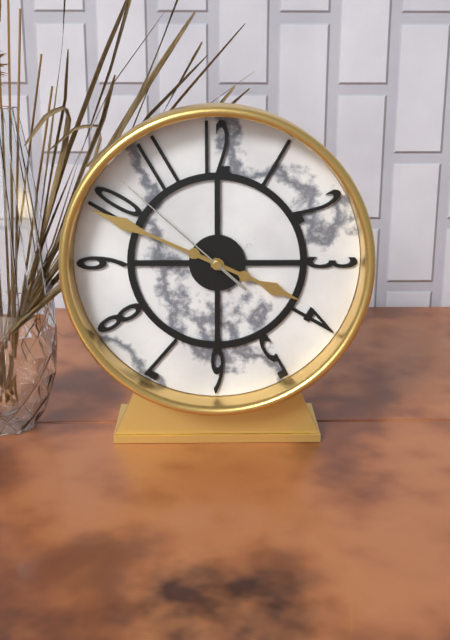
**3:49:52**
